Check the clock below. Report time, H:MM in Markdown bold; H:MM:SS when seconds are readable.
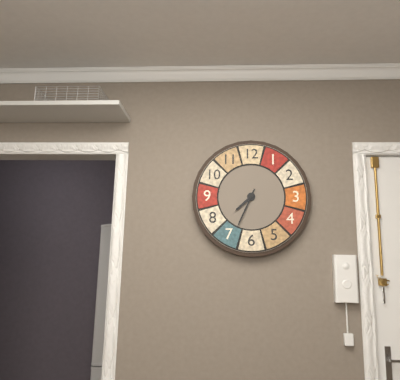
**7:34**
